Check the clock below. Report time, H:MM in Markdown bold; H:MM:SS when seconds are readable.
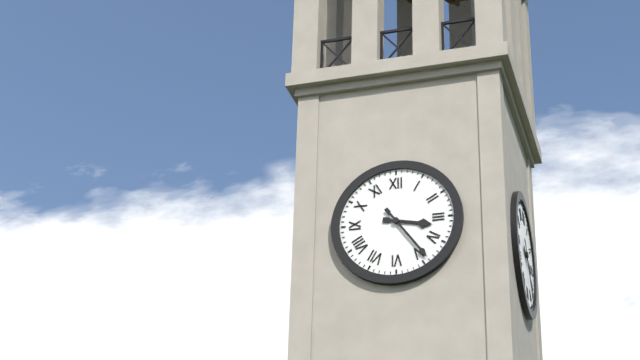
**3:24**
